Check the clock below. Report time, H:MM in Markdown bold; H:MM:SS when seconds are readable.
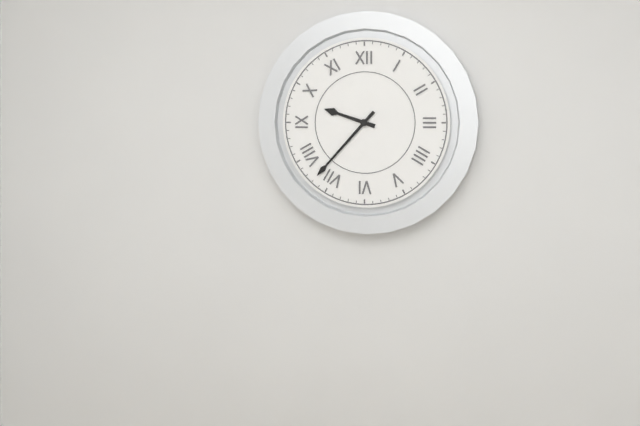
**9:37**
